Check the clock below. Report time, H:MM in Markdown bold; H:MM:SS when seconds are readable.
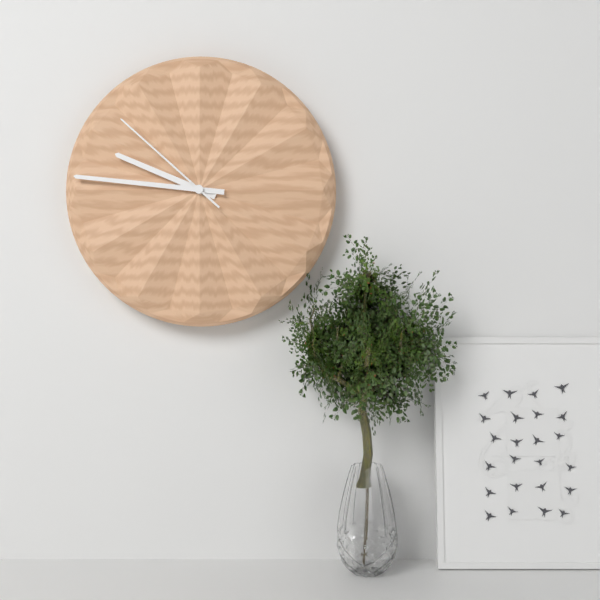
**9:46:52**
